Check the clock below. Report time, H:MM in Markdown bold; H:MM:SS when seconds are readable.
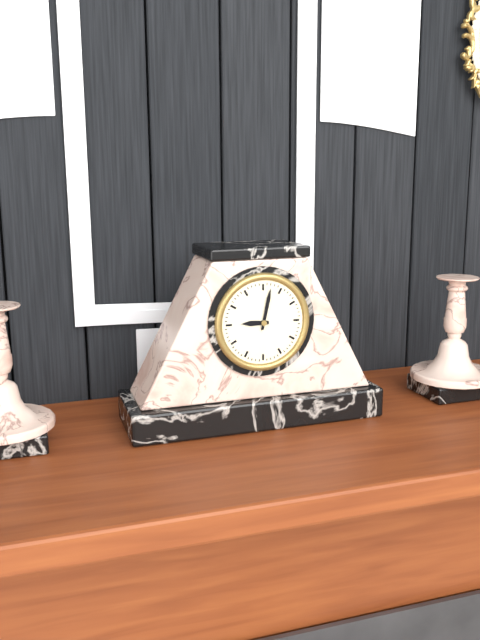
**9:02**
